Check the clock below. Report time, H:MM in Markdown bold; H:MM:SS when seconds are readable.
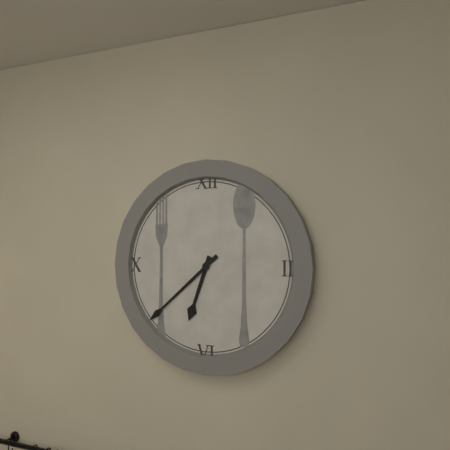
**6:38**
